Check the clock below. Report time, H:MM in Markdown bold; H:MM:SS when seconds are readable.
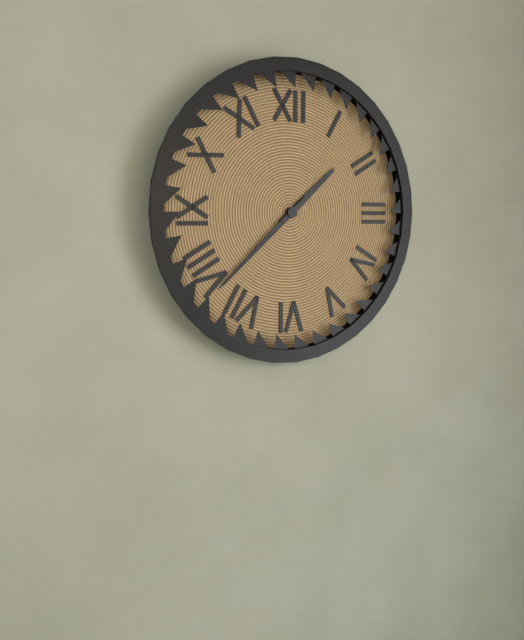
**1:38**
